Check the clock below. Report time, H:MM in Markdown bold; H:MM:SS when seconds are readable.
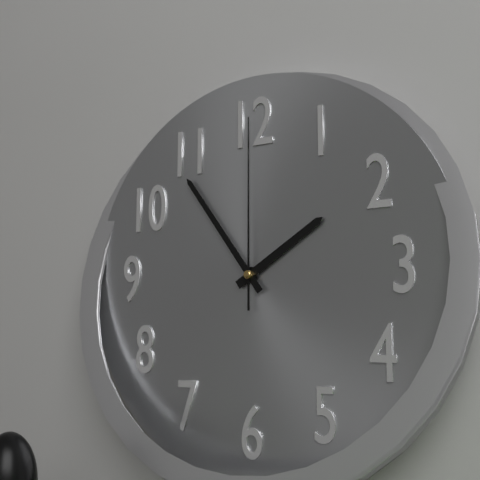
**1:54:00**
